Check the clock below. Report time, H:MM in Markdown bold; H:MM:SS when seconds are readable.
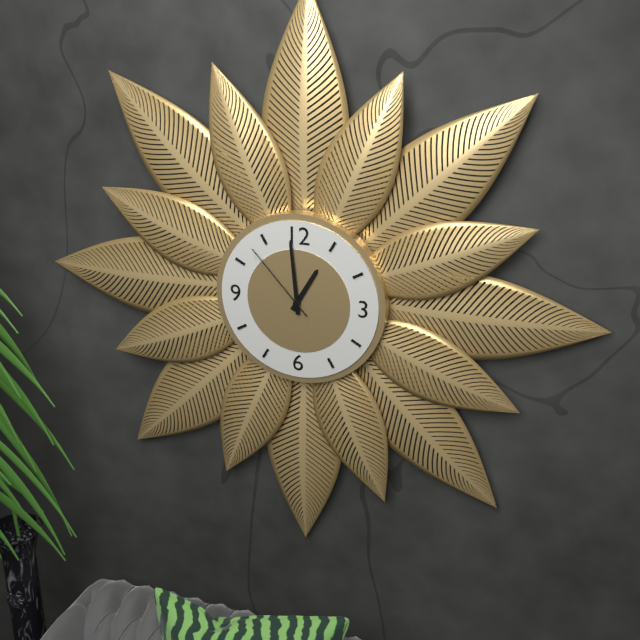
**12:59:53**
